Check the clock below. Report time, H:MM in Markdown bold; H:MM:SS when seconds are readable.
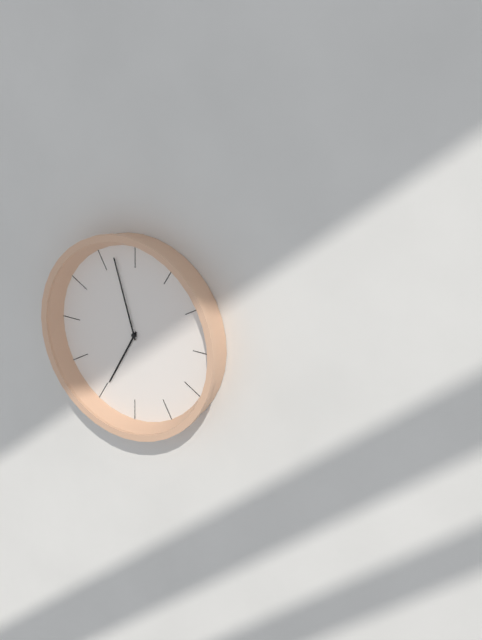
**6:57**
